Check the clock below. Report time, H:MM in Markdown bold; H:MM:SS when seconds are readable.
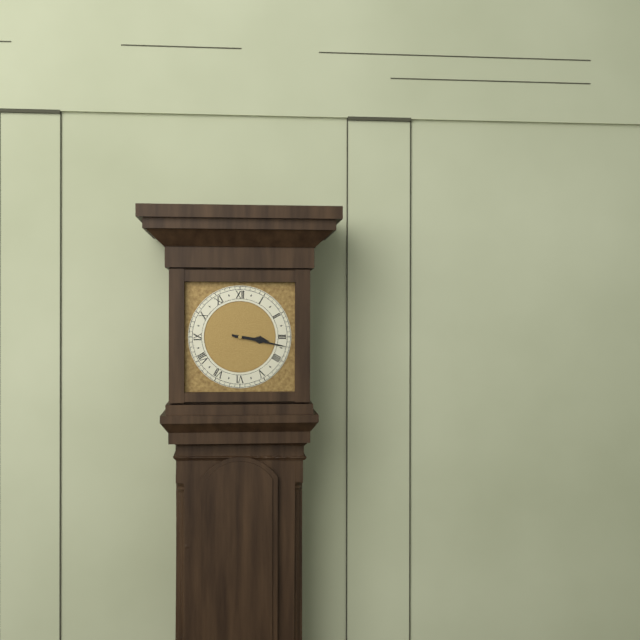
**3:17**
